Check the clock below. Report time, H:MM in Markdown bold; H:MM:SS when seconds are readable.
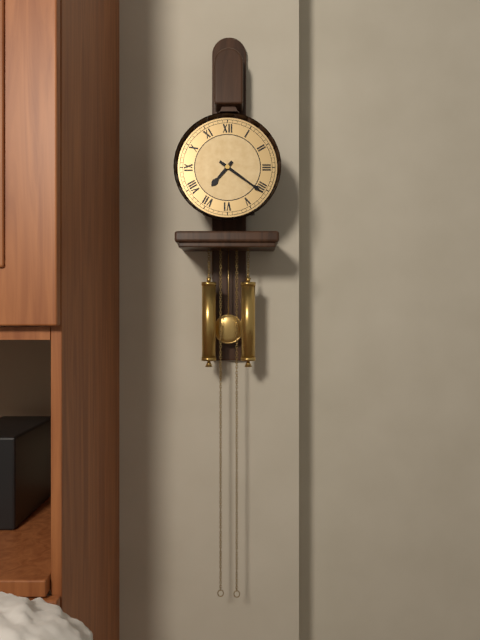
**7:21**
